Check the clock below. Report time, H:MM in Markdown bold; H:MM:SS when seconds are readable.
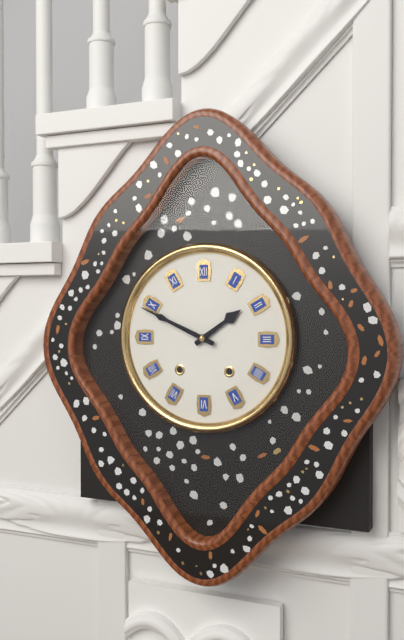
**1:49**
